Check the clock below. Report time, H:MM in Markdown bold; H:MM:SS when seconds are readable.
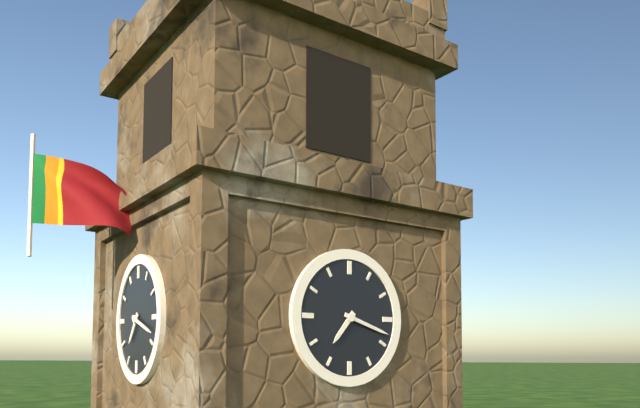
**7:18**
